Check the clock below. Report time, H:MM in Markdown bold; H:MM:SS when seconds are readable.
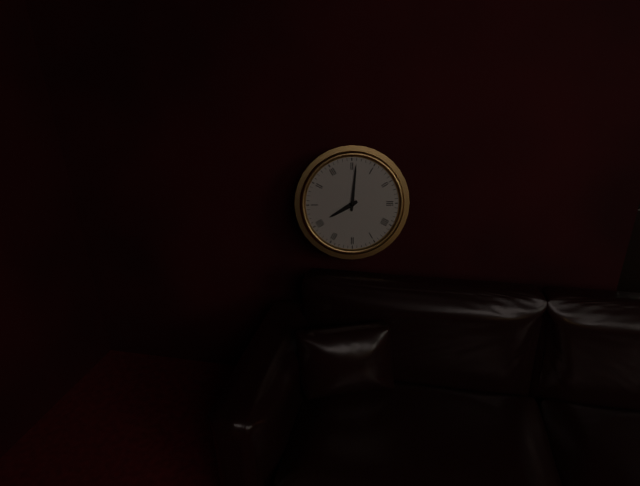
**8:01**
